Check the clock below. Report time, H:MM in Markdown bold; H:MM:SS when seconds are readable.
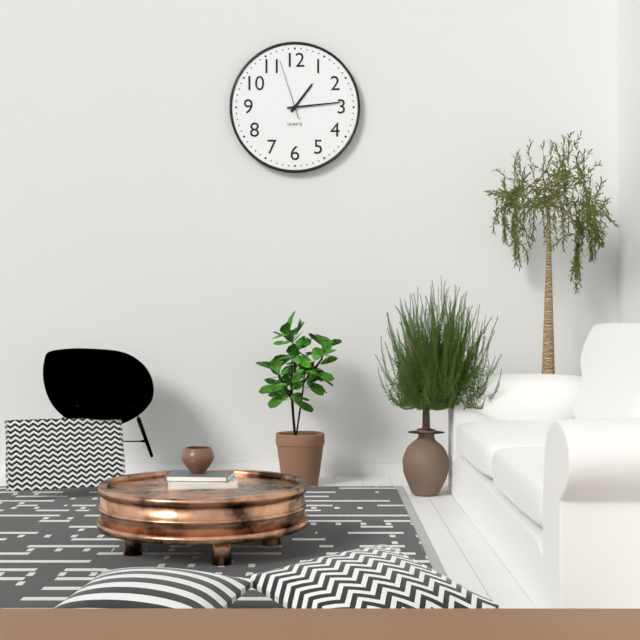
**1:14:57**
